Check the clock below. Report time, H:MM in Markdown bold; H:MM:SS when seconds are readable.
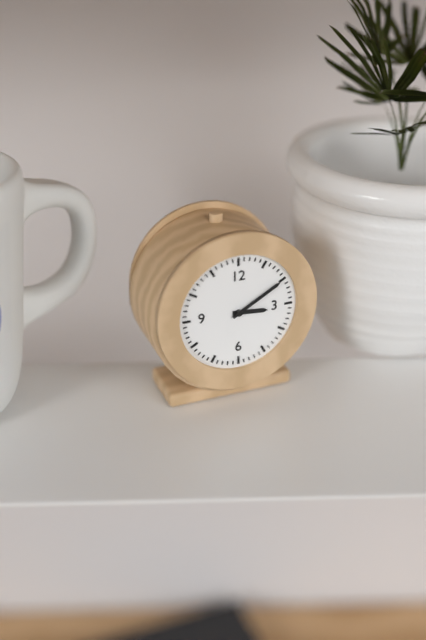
**3:10**
